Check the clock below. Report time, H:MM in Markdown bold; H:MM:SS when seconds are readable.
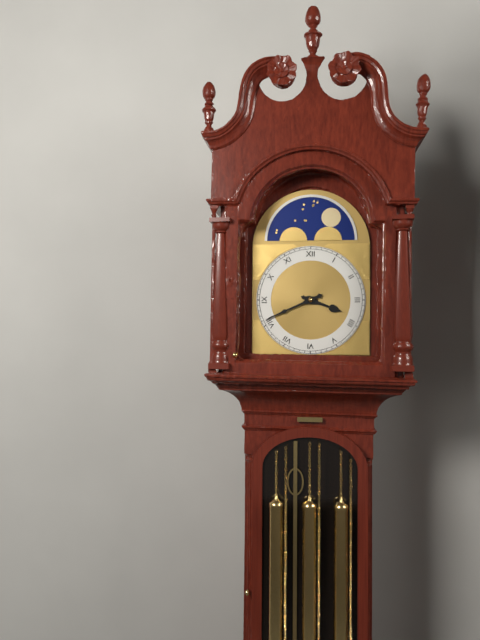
**3:41**
